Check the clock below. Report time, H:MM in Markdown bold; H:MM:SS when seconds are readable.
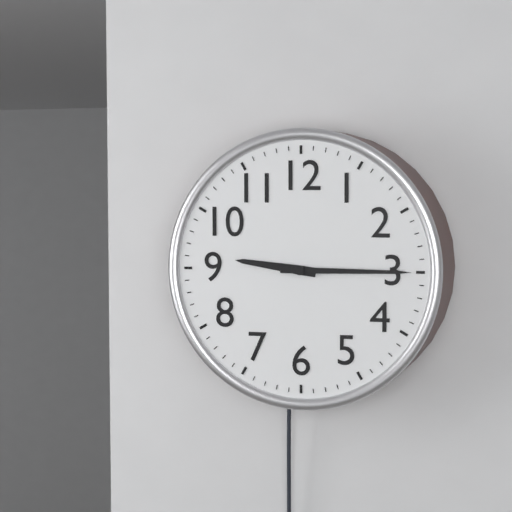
**9:15**
